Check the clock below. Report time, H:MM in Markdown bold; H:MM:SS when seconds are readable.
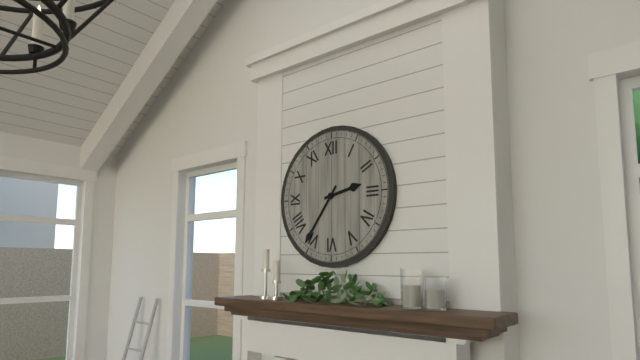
**2:36**
